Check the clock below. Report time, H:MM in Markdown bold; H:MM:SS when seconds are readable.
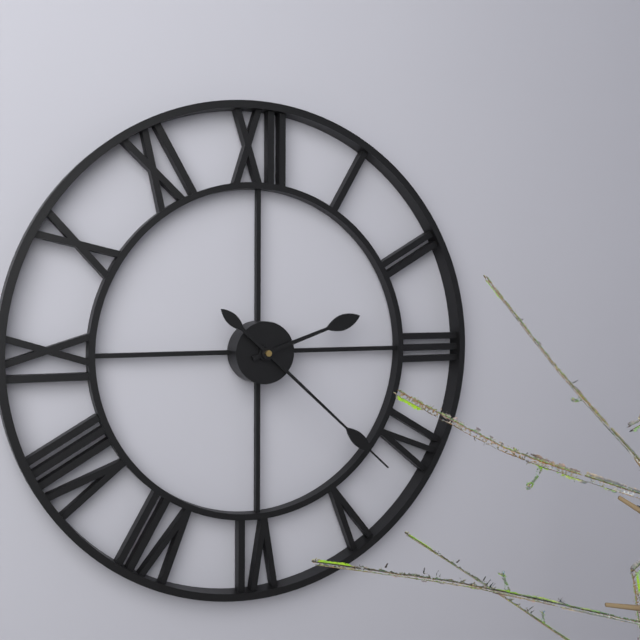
**2:22**
